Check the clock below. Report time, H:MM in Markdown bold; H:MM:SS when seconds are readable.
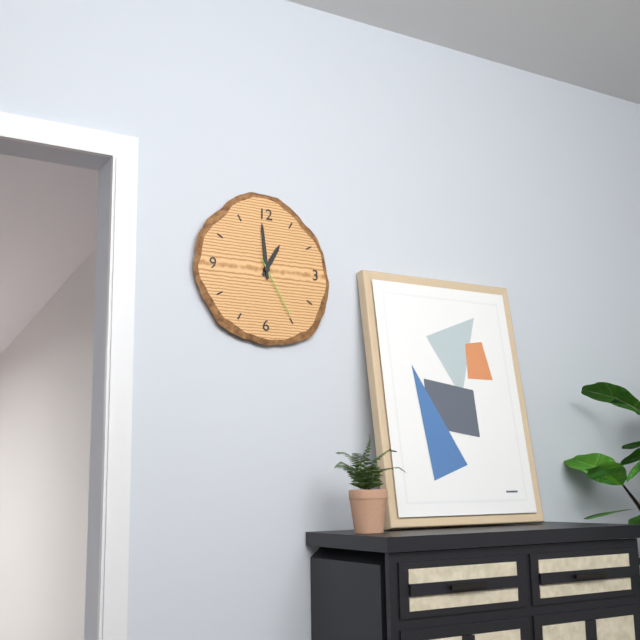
**12:59:25**
